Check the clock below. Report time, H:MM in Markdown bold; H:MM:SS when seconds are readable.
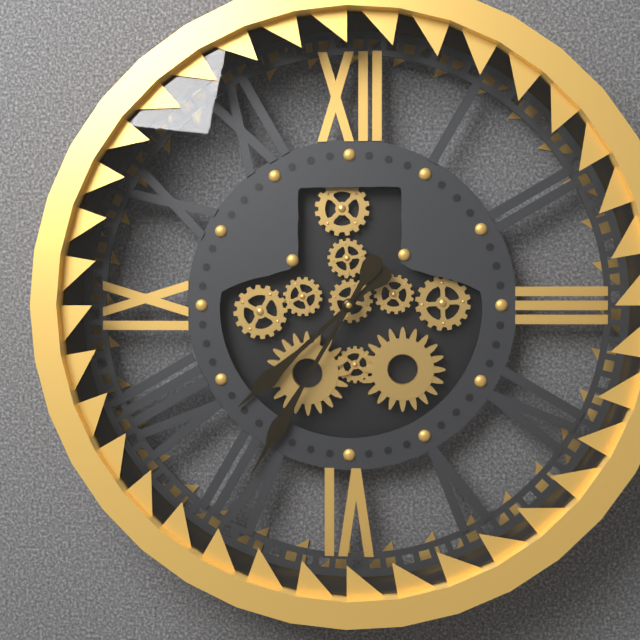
**7:35**
